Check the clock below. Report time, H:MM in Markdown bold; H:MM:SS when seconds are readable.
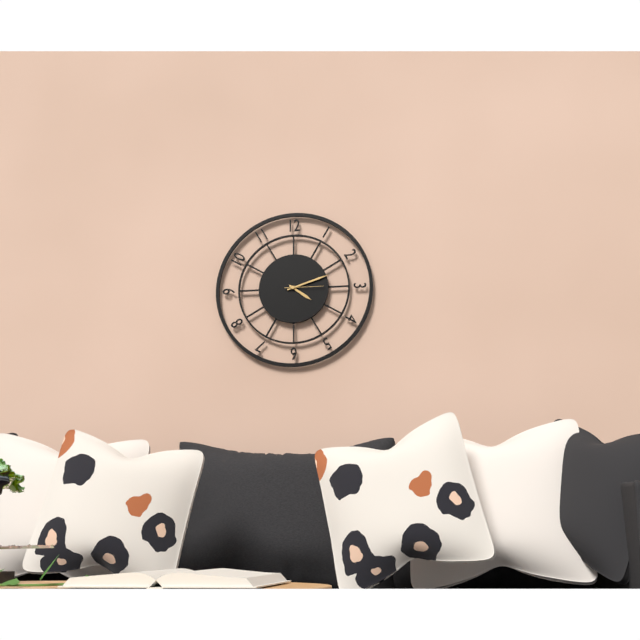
**4:12**
